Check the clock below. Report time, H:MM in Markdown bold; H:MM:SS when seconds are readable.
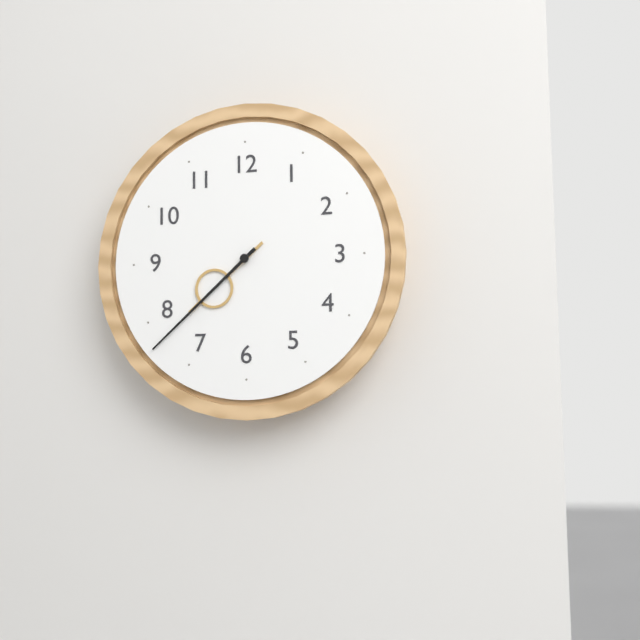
**7:38**
